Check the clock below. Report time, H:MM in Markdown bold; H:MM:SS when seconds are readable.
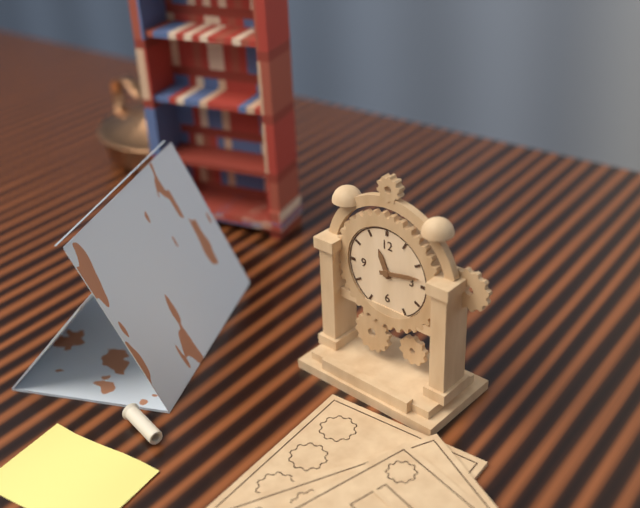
**11:13**
